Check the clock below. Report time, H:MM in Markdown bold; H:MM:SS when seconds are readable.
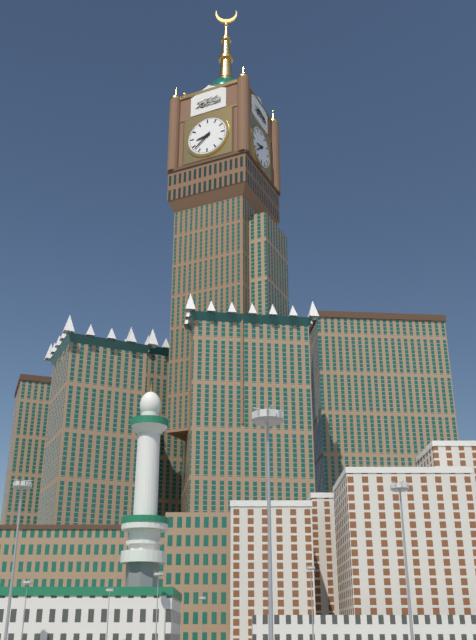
**8:38**
